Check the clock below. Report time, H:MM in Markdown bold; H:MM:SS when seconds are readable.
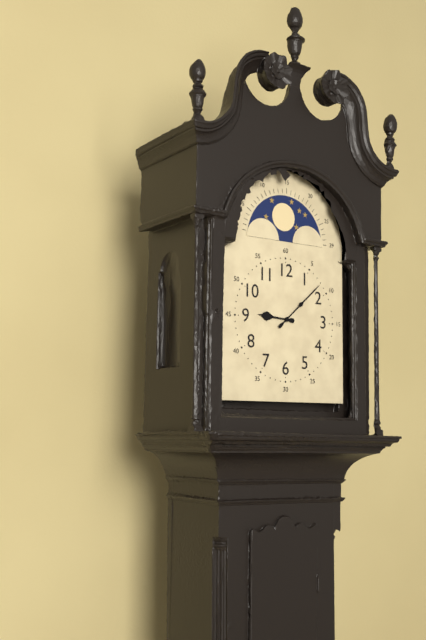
**9:08**
